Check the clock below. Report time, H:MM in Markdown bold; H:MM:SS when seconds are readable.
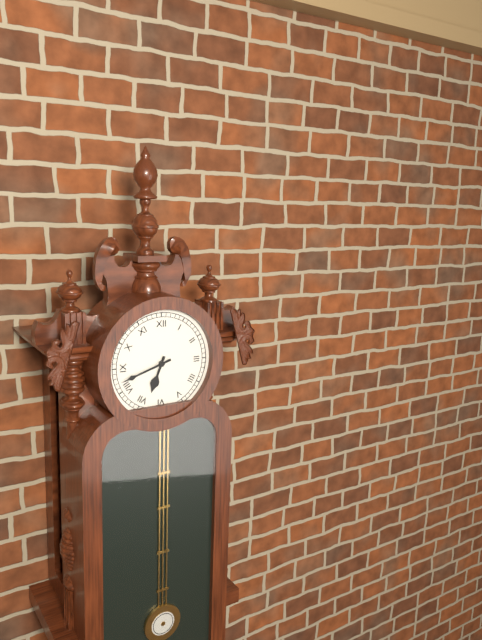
**6:42**
